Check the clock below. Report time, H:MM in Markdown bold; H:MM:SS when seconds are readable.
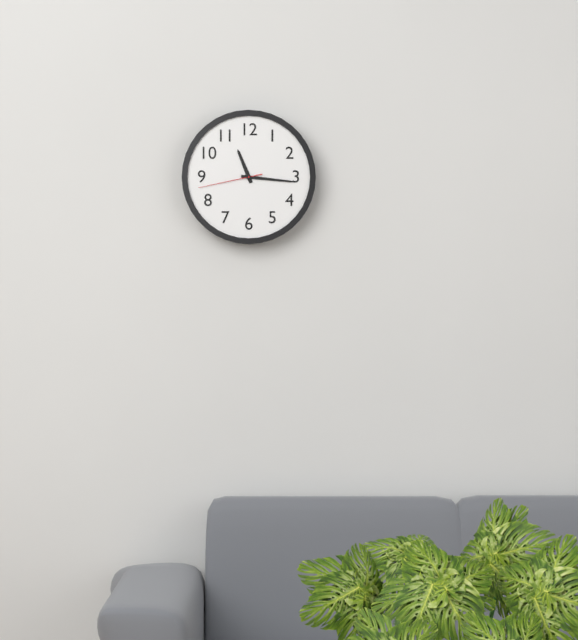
**11:16:43**
